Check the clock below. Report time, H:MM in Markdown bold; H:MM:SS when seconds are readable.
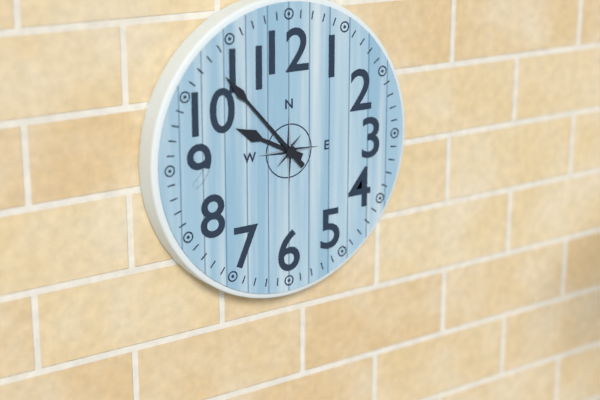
**9:53**
